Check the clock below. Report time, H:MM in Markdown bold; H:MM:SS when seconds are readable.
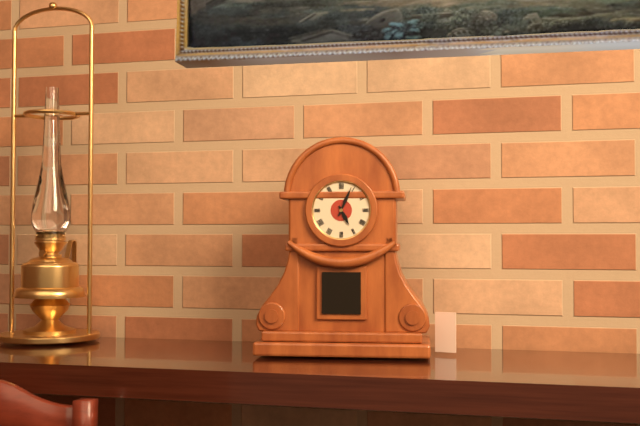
**5:04**
